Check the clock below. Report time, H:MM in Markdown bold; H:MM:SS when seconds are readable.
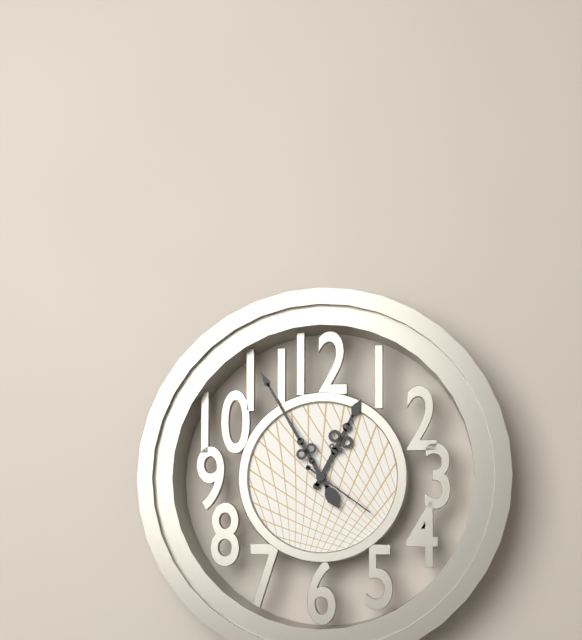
**12:55:21**
